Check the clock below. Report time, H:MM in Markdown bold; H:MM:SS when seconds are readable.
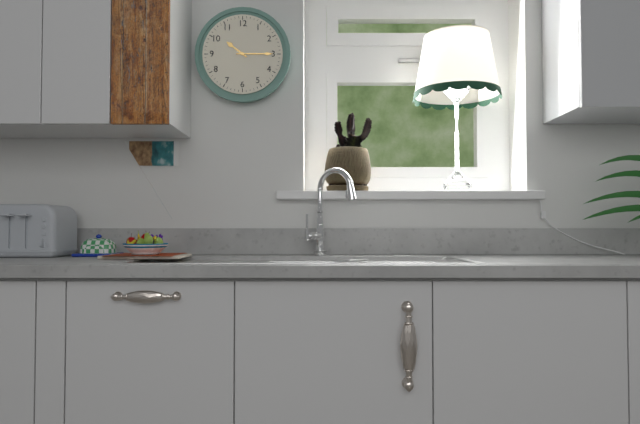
**10:15**
